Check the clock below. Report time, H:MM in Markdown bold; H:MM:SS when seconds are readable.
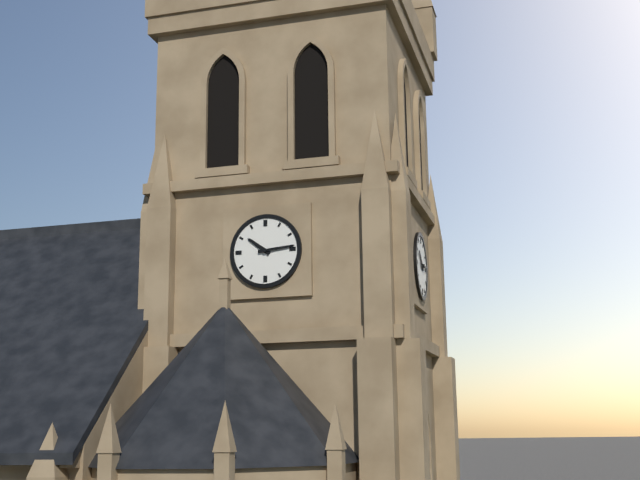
**10:14**
